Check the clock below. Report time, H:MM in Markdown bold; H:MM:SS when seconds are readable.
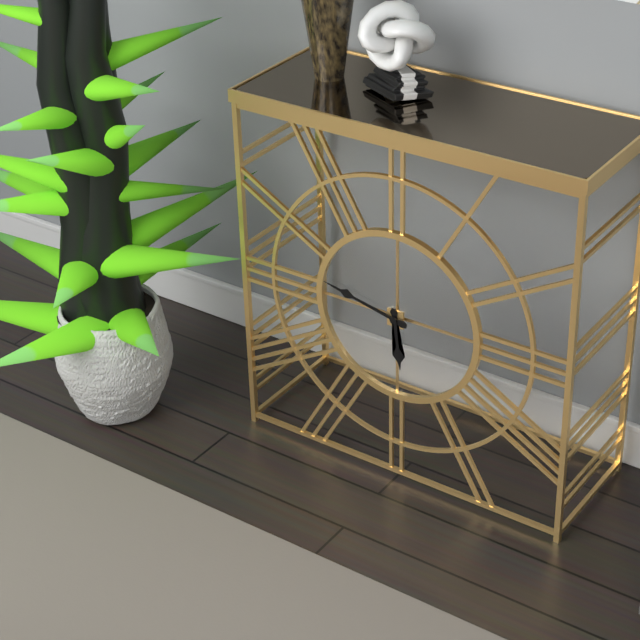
**5:47**
